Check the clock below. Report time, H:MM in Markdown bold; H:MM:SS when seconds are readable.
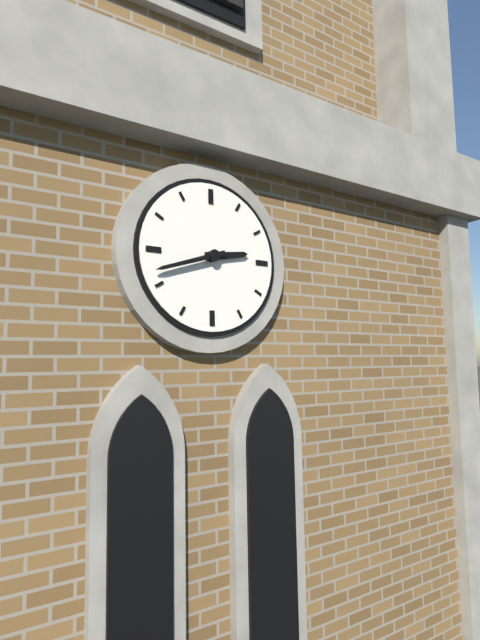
**2:42**
